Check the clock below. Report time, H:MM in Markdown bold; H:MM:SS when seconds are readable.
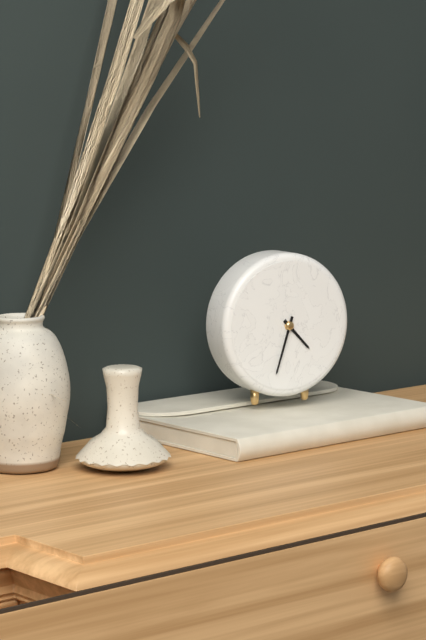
**4:33**
